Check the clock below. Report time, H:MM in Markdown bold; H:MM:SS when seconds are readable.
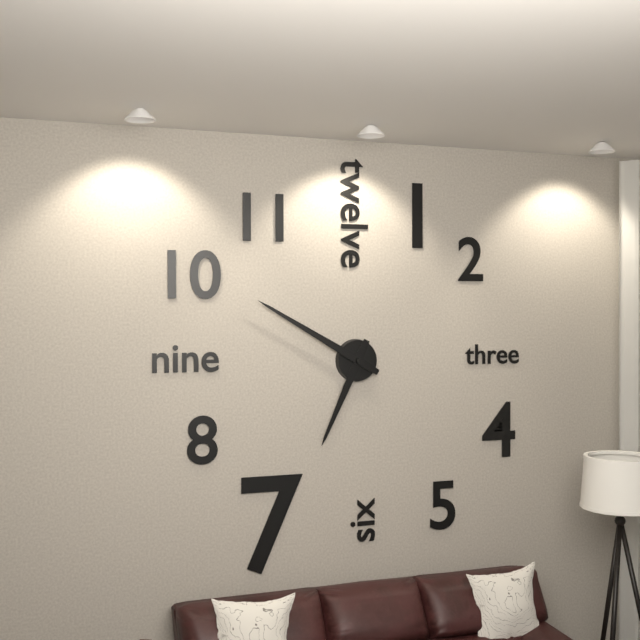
**6:50**
